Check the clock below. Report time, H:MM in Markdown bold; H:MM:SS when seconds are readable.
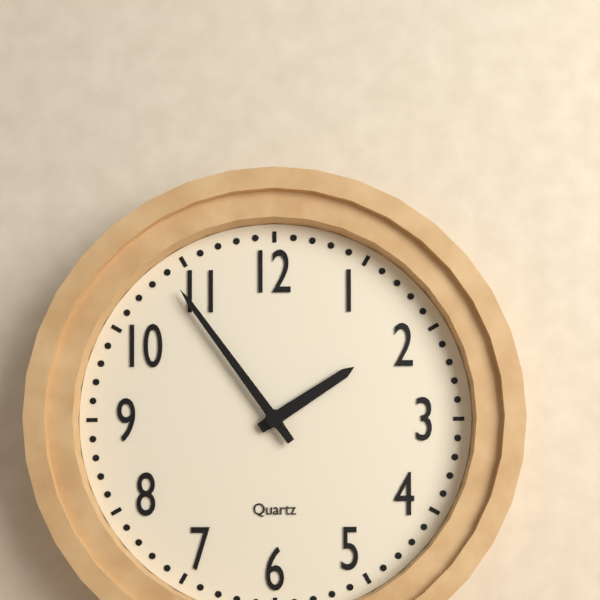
**1:54**
